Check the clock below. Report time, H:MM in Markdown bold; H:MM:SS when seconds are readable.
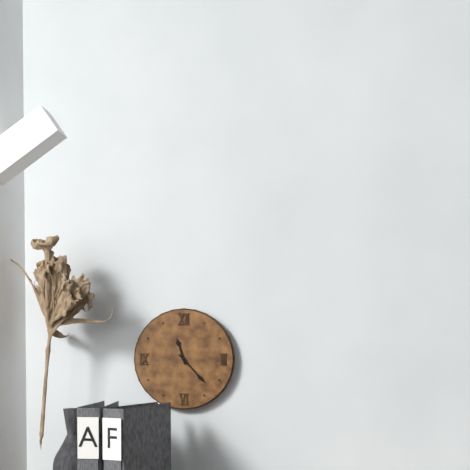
**11:23**
